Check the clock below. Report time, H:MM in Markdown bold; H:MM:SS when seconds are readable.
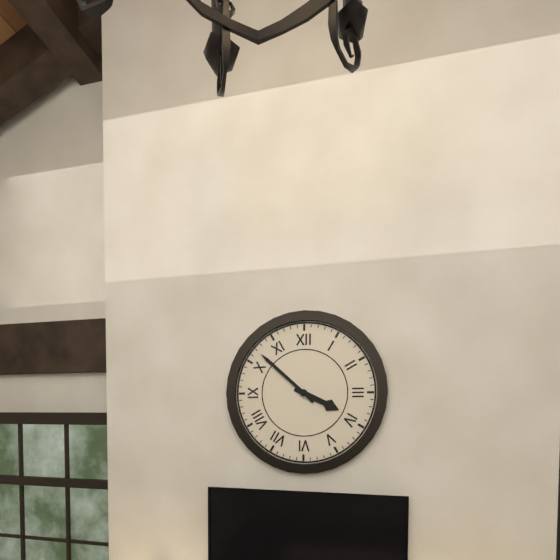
**3:52**
